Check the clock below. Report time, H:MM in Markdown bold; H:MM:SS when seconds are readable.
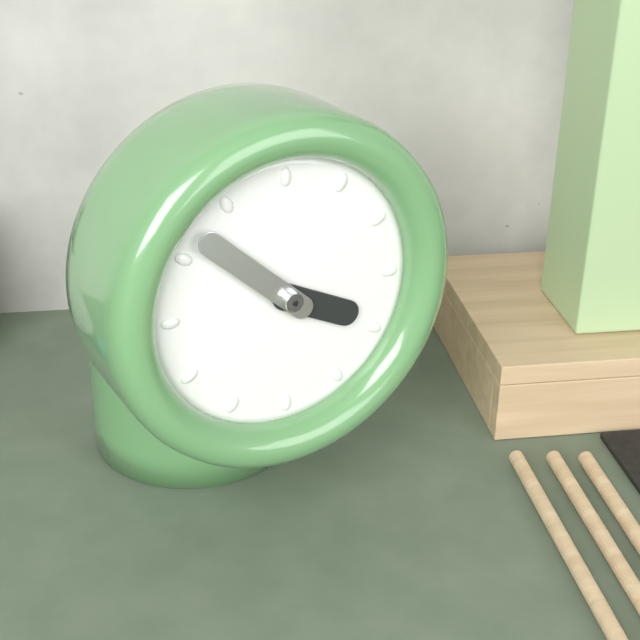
**3:52**
